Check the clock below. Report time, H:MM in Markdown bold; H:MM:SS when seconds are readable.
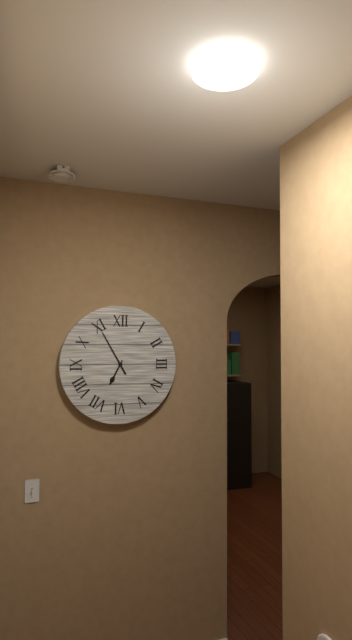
**6:55**
